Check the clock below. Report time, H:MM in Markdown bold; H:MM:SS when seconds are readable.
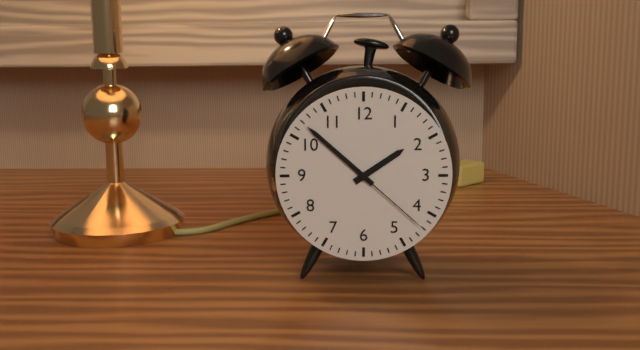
**1:52:22**
